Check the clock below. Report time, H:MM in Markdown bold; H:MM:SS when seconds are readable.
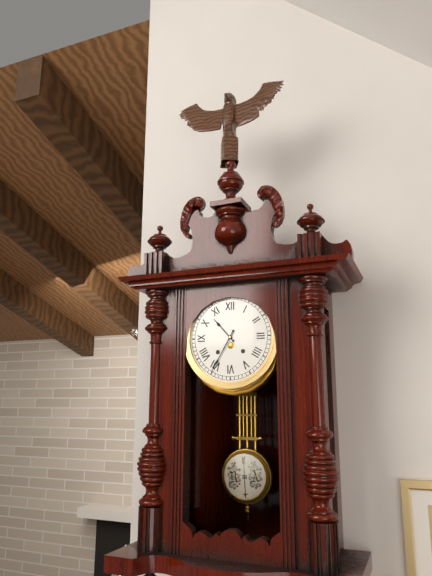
**10:35**
